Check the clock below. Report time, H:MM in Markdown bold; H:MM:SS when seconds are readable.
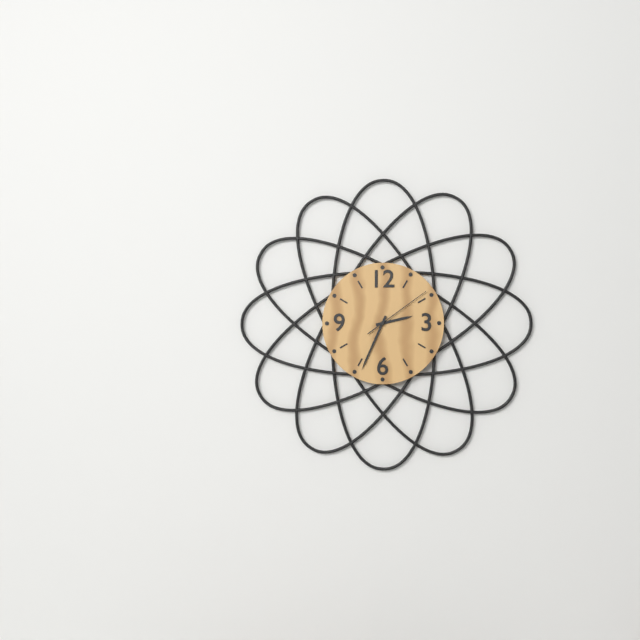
**2:34:09**
